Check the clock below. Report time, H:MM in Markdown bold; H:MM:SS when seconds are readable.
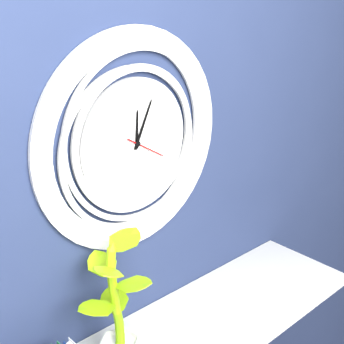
**12:04**
